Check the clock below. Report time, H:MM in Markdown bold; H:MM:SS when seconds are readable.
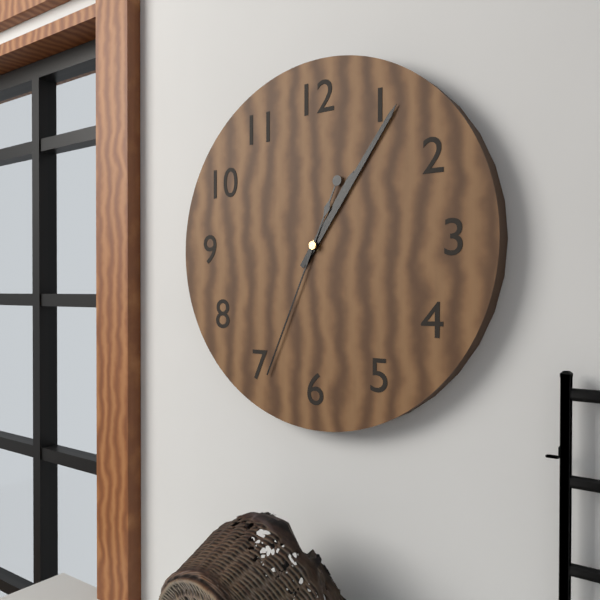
**1:06:34**
